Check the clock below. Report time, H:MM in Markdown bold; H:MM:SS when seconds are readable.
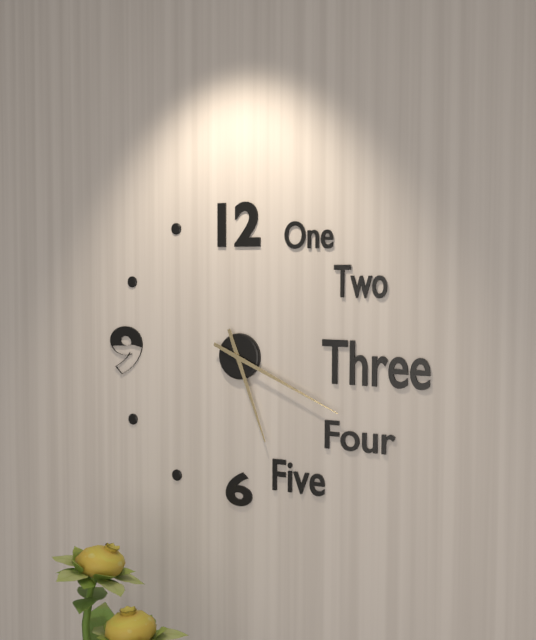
**5:19**
